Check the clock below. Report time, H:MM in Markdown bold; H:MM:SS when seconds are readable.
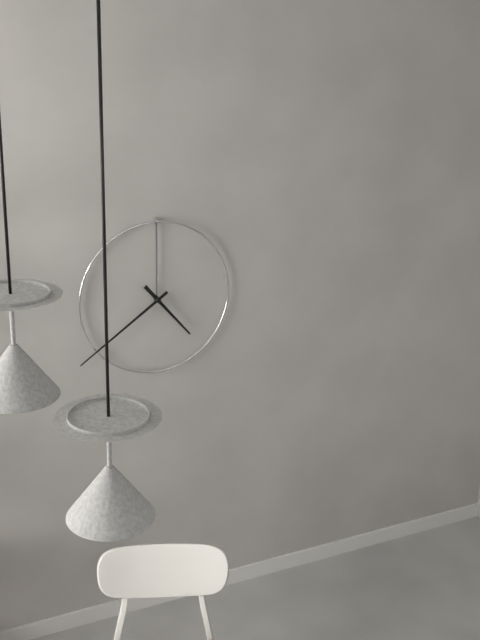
**4:39**
